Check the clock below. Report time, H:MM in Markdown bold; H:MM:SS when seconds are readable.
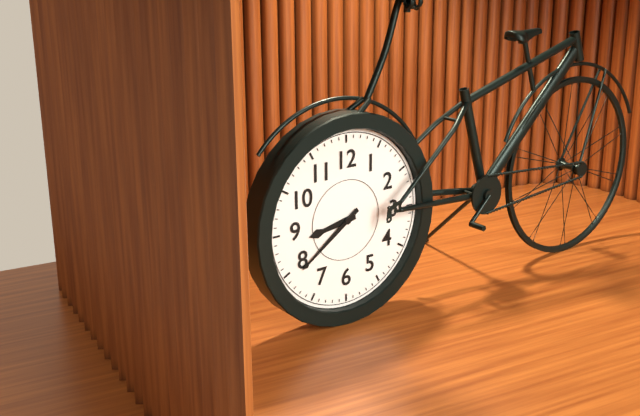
**8:39**
